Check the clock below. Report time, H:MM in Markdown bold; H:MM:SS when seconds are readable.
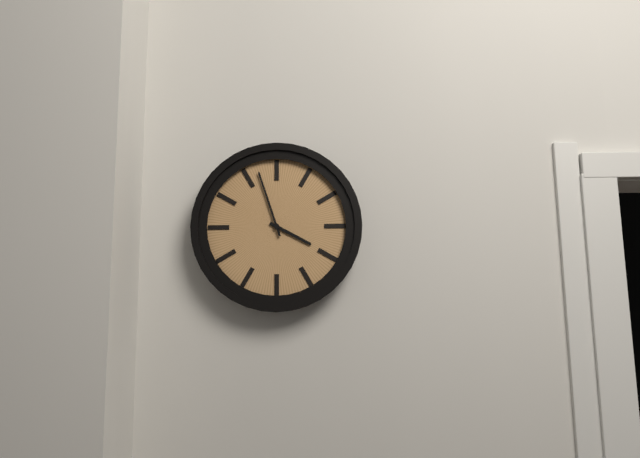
**3:57**
